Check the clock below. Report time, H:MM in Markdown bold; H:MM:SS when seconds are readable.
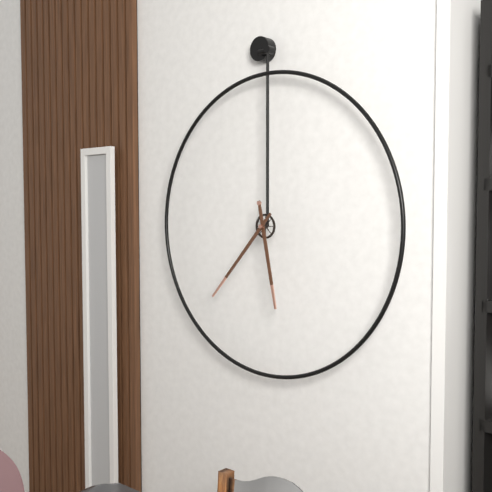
**5:37**
